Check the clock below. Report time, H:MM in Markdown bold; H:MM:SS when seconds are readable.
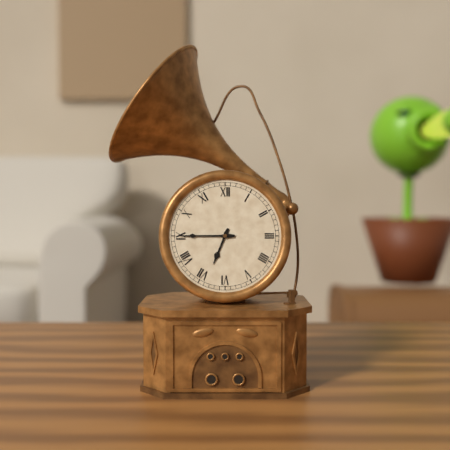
**6:45**
